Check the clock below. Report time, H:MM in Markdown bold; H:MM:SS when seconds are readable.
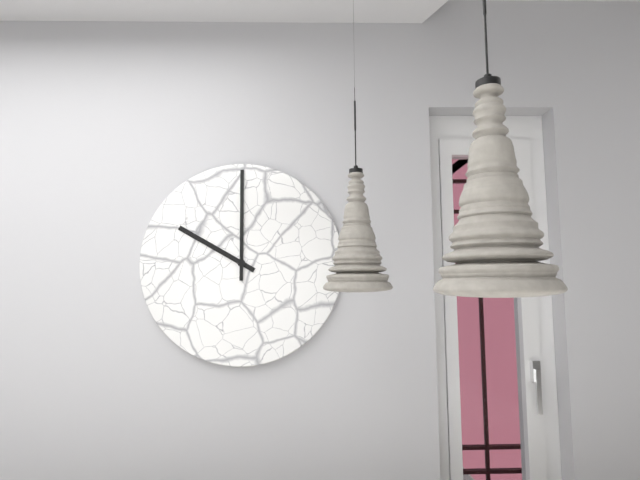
**10:00**
